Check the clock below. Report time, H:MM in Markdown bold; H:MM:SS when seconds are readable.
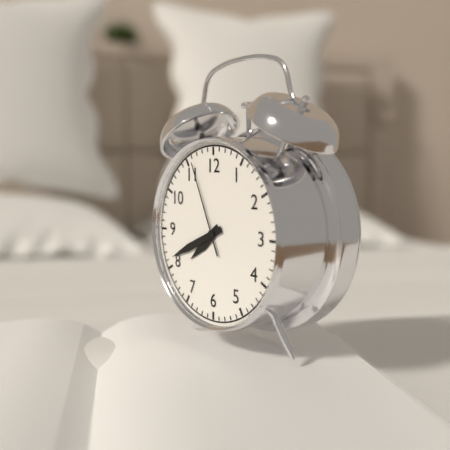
**7:41:56**
